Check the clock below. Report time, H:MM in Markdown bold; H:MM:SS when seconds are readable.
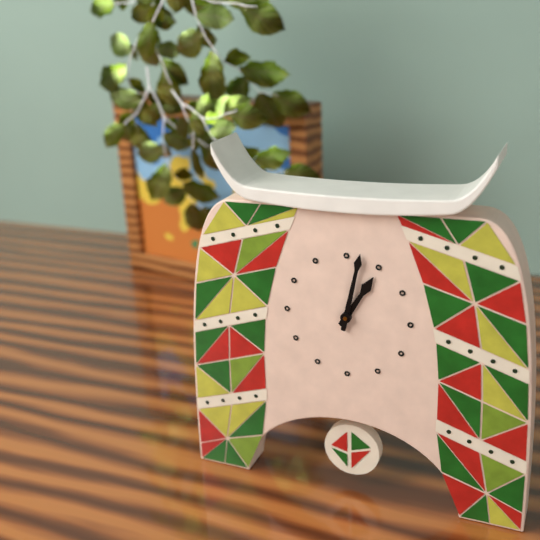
**1:02**
